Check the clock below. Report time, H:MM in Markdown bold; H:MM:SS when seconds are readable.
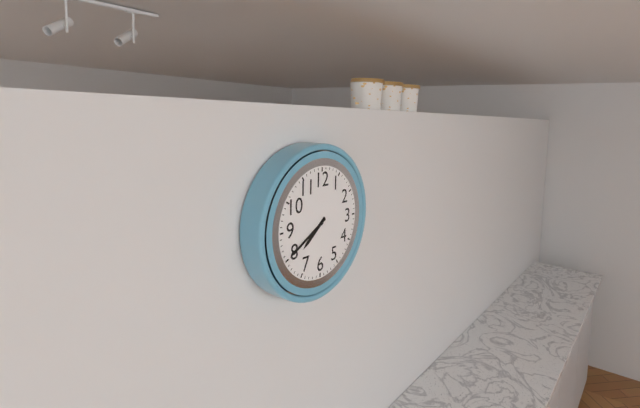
**7:40**
